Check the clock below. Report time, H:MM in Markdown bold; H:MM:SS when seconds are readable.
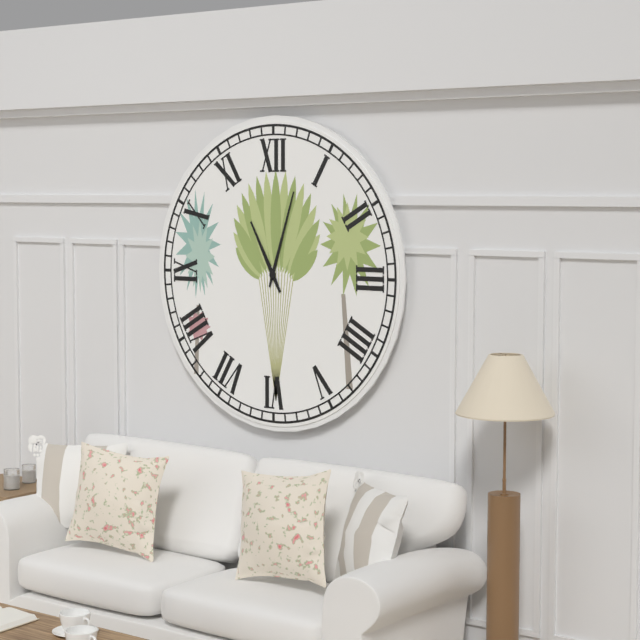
**11:03**
